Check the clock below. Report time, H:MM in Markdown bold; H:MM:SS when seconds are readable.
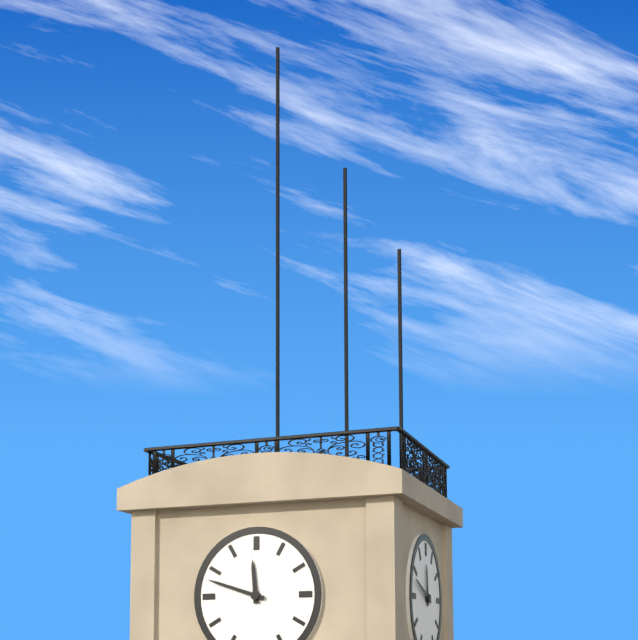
**11:48**
